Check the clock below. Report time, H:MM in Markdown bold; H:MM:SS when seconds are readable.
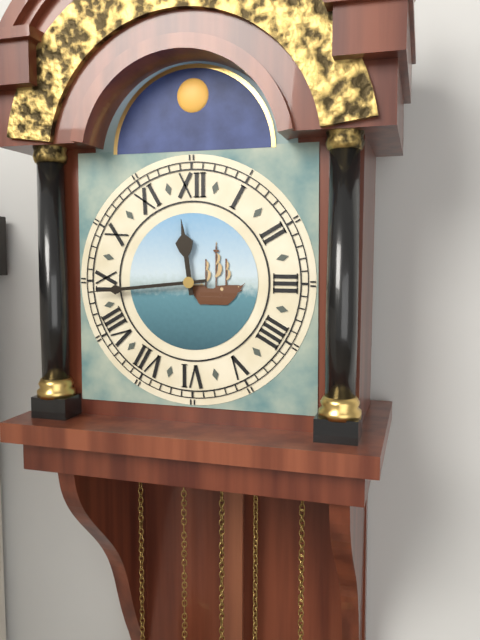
**11:44**
